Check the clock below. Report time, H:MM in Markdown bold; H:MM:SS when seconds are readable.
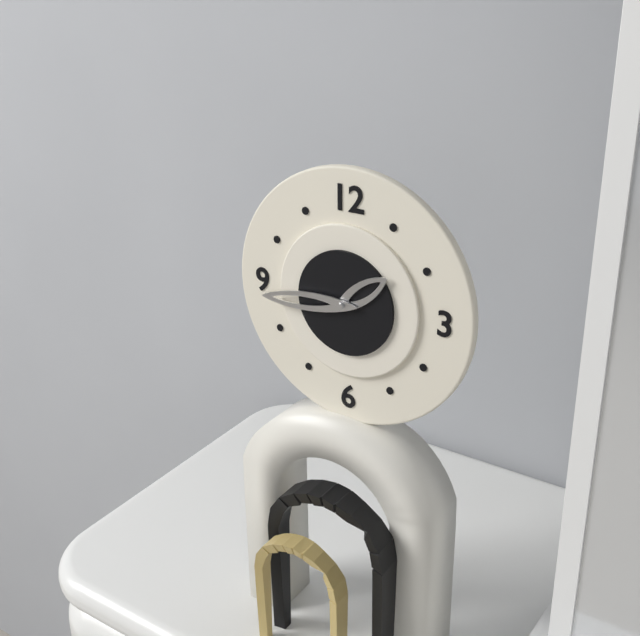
**1:44**
